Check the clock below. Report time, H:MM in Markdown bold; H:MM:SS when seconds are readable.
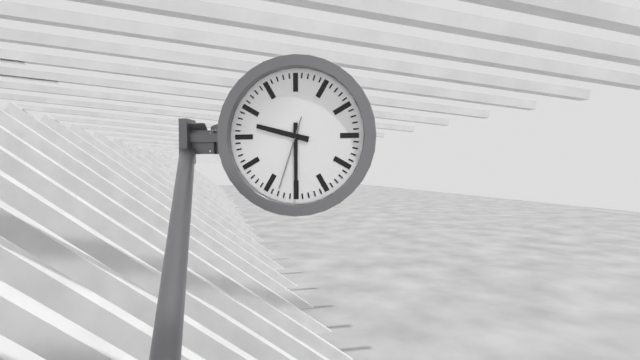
**9:30:33**
